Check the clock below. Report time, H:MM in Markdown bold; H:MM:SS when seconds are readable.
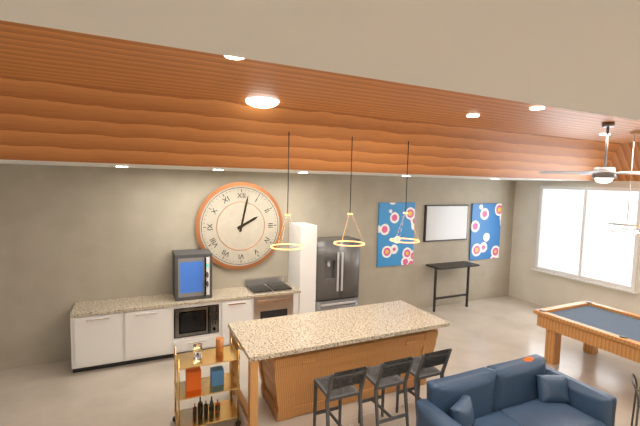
**2:02**
